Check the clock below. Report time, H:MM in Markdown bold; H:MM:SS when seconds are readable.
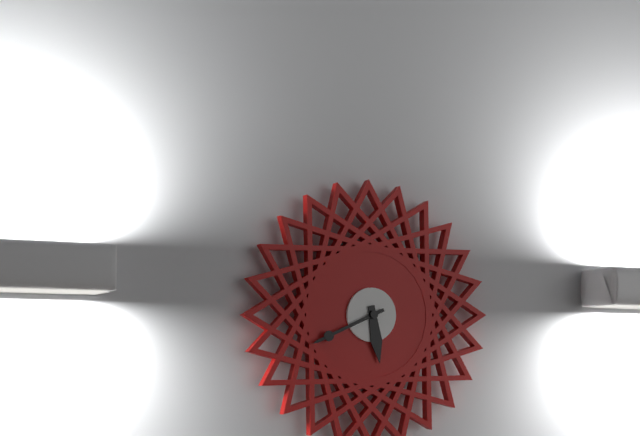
**5:41**
